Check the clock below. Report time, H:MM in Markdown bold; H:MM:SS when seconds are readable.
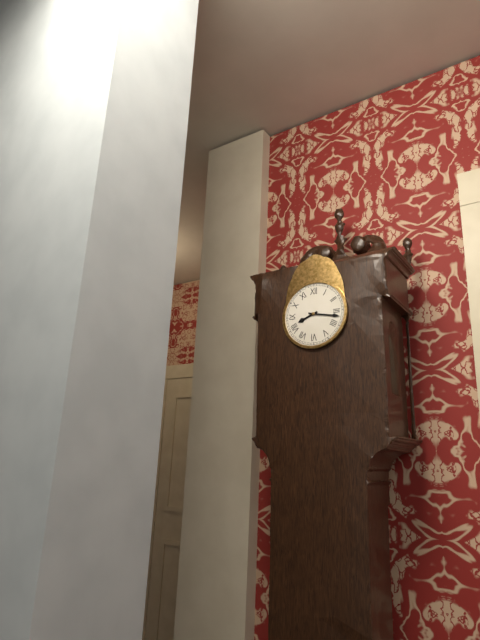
**8:17**
